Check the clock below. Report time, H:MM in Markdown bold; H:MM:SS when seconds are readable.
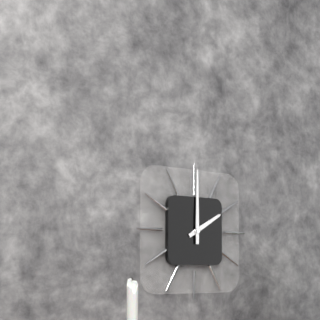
**2:00**
